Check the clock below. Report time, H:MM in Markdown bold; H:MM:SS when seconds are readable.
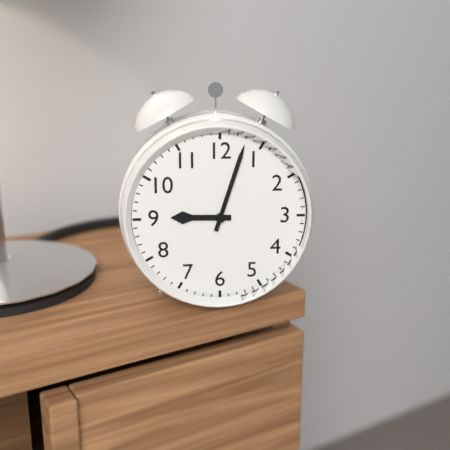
**9:03**
